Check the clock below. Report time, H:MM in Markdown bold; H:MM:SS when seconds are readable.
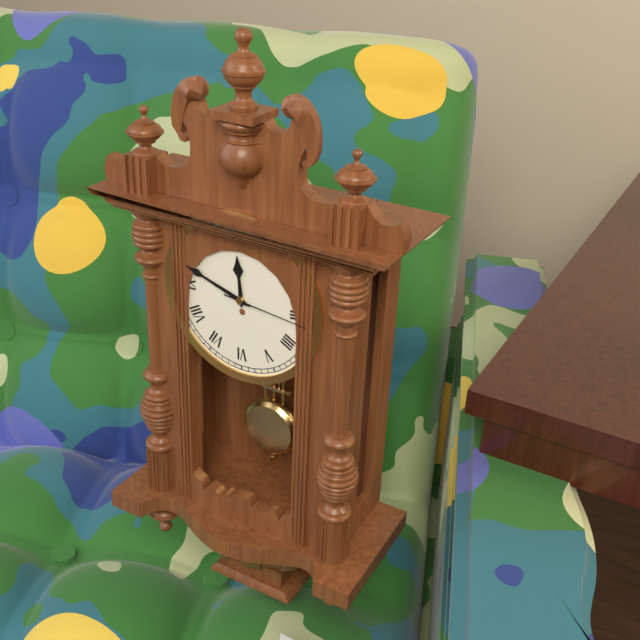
**11:48:16**
